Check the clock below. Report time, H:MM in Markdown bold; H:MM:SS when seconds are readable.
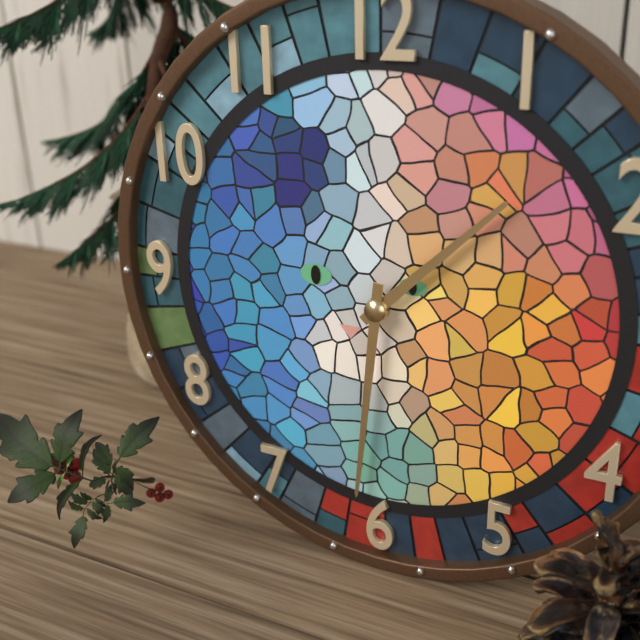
**1:31**
